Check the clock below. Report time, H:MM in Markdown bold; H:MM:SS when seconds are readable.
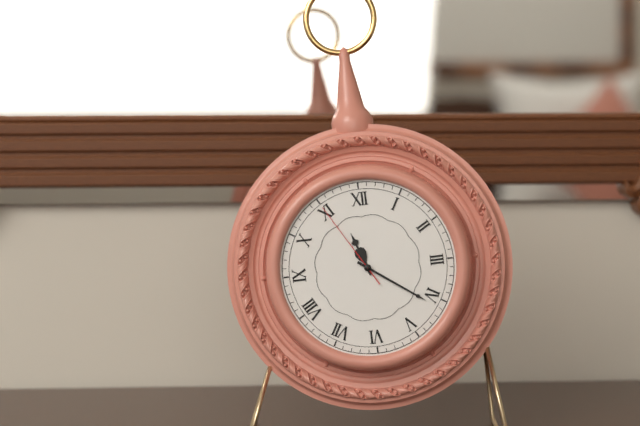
**11:21:55**
